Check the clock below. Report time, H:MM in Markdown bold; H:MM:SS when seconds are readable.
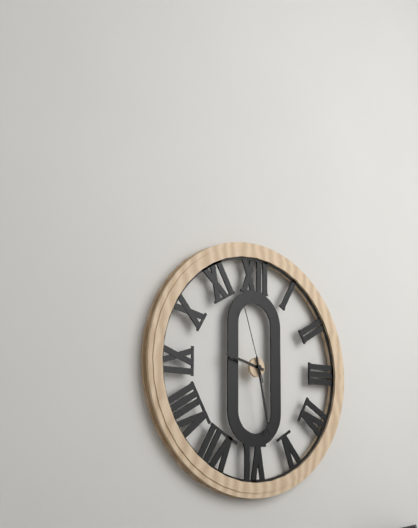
**9:28:57**
